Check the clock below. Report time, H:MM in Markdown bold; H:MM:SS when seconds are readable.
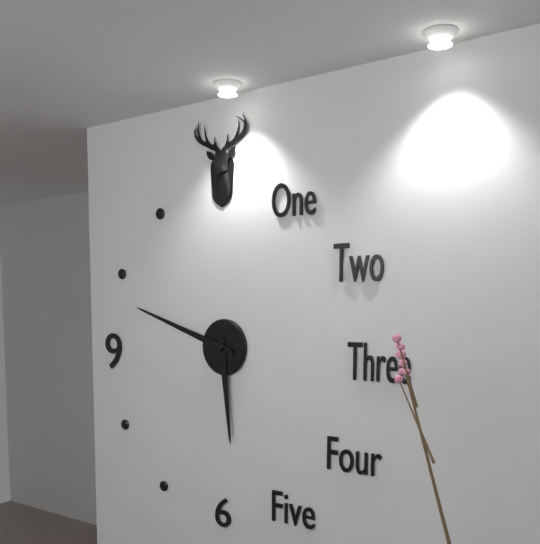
**5:48**
